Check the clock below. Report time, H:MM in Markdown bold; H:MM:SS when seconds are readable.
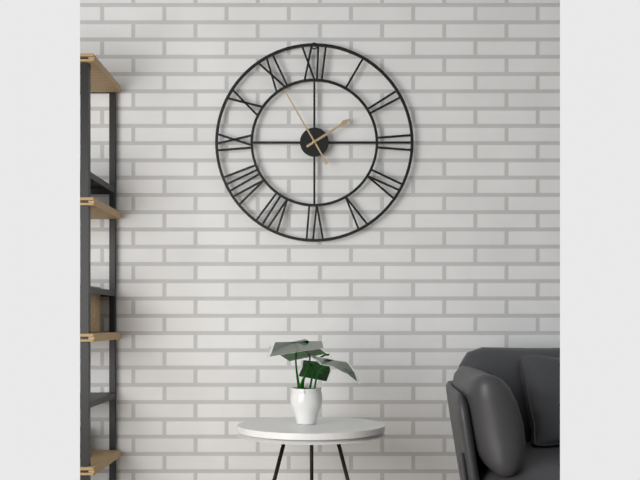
**1:55**
